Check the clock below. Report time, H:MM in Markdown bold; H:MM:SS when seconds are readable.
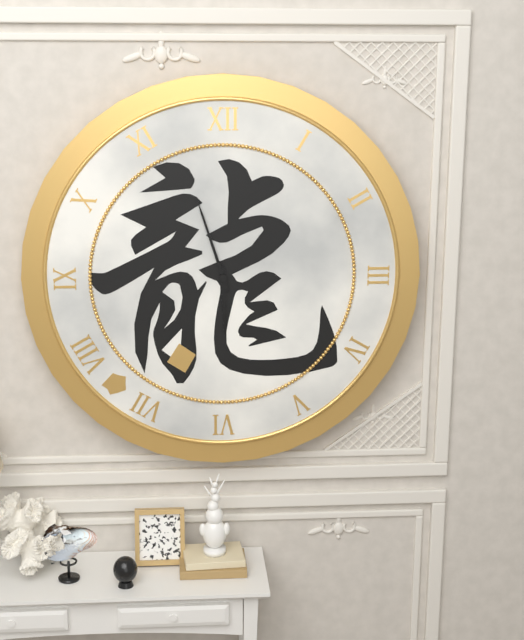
**5:57**
